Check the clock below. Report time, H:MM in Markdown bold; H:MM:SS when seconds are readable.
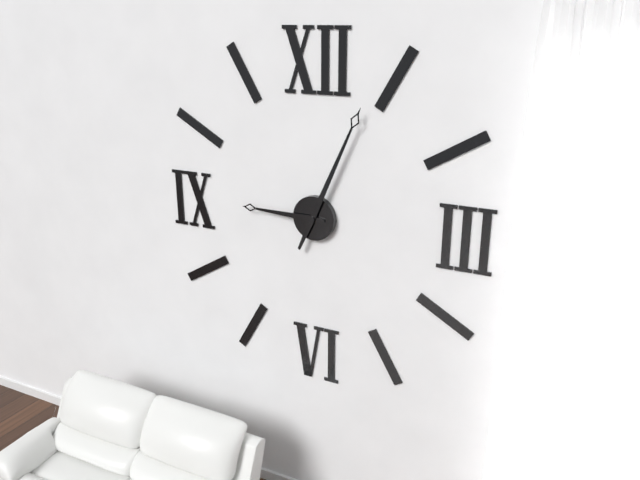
**9:04**
